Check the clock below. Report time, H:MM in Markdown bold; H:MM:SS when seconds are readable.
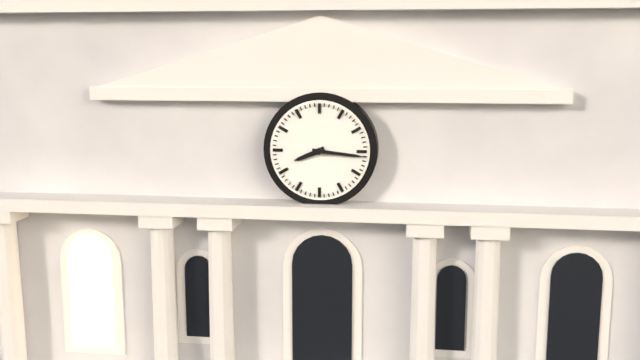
**8:16**
